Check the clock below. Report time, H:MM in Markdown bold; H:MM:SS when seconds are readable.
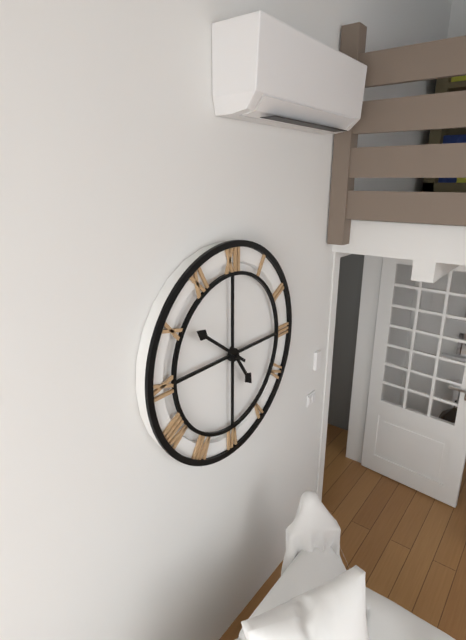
**4:51**
